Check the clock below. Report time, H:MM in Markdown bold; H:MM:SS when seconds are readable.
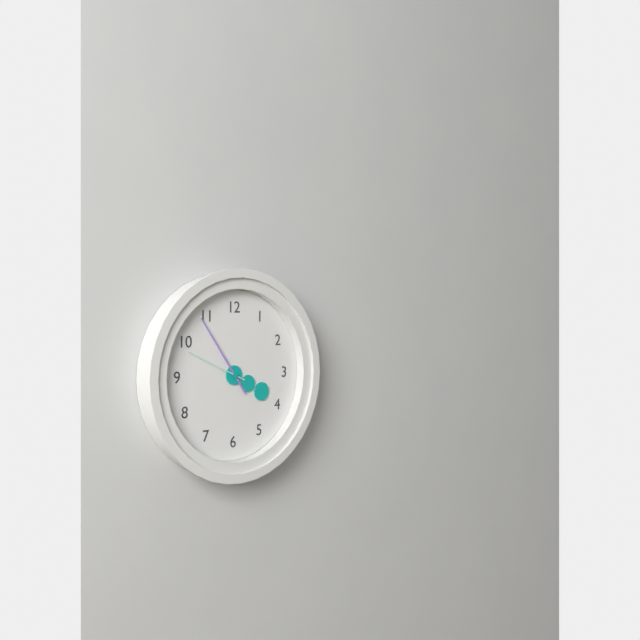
**3:54:49**
